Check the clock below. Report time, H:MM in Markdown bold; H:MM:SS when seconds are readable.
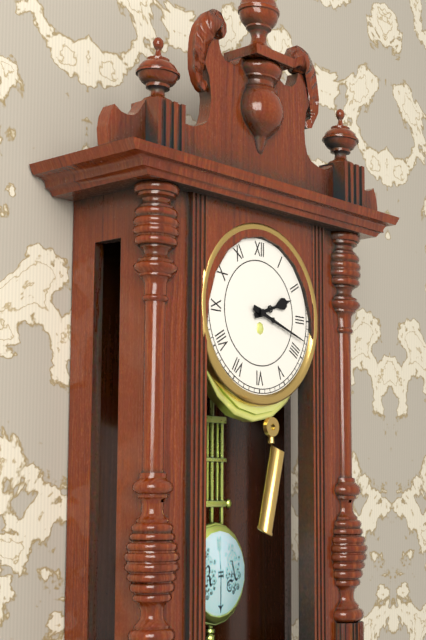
**2:18**
